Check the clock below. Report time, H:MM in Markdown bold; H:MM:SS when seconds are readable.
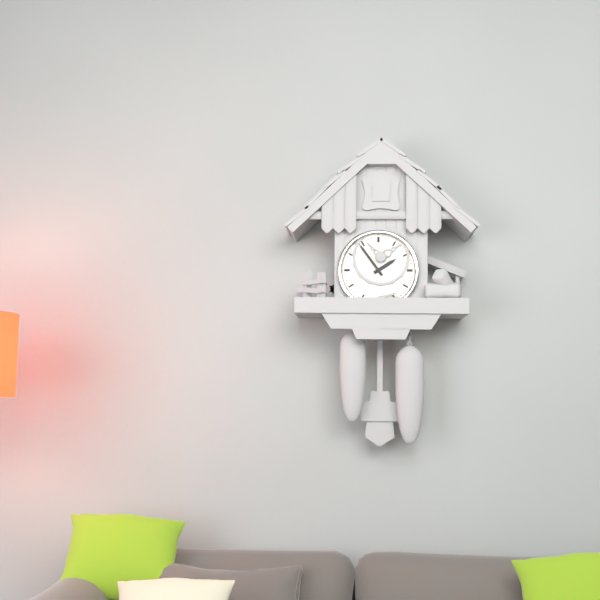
**1:54**
